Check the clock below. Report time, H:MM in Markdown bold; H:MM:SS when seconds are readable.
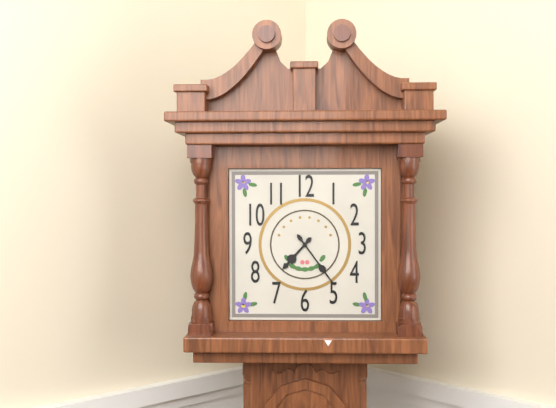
**7:24**
